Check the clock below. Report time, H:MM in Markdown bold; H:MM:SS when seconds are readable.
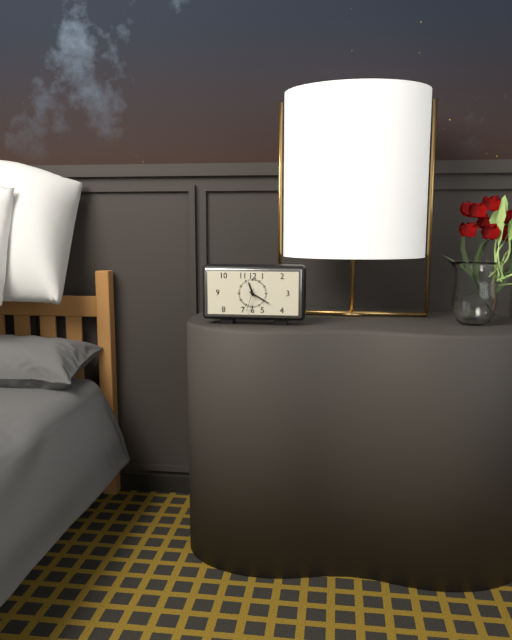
**11:20**
